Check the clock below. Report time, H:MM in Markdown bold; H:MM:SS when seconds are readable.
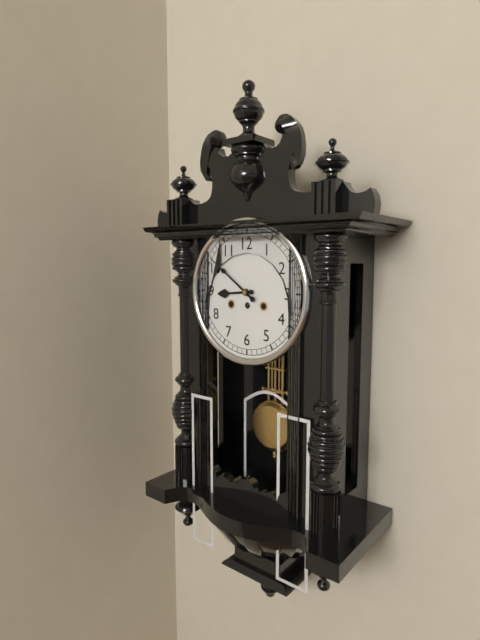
**8:51**
